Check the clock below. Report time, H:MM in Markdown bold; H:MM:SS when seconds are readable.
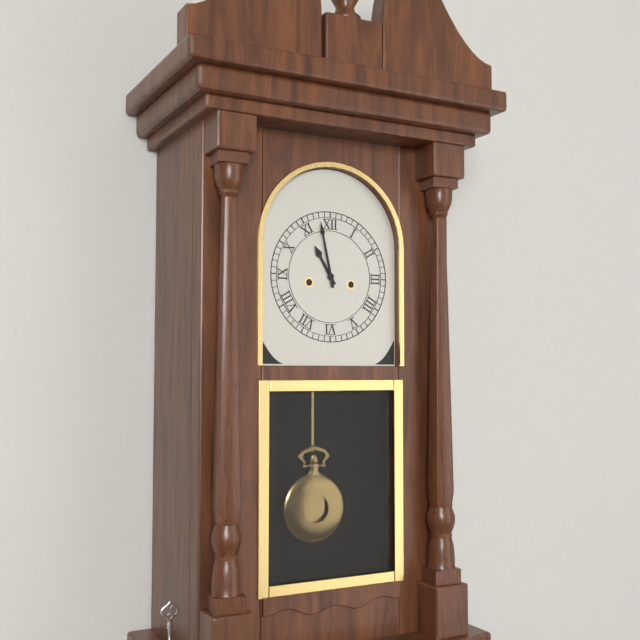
**10:58**
